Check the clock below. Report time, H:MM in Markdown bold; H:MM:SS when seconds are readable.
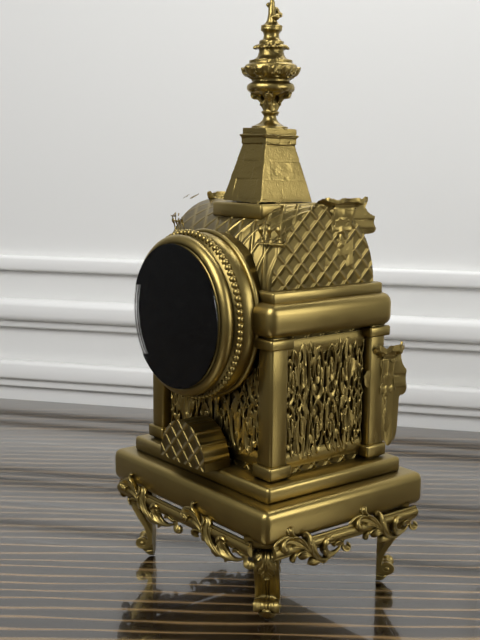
**12:07**
